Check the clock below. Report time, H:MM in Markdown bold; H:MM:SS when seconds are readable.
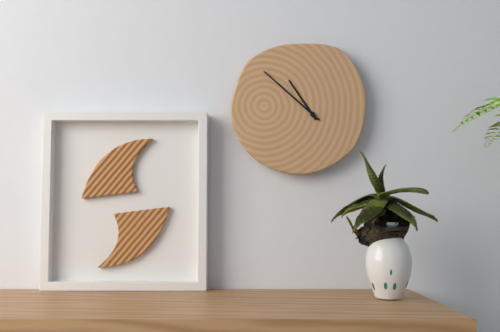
**10:52**
